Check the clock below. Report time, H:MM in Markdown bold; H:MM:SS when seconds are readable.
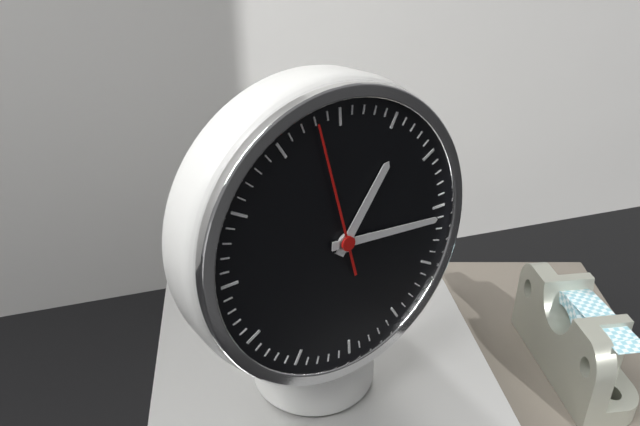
**1:16:58**
